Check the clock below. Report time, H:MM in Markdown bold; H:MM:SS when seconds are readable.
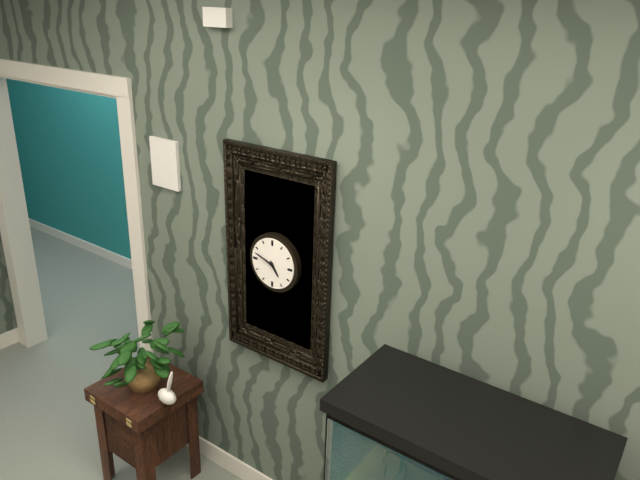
**4:48**
